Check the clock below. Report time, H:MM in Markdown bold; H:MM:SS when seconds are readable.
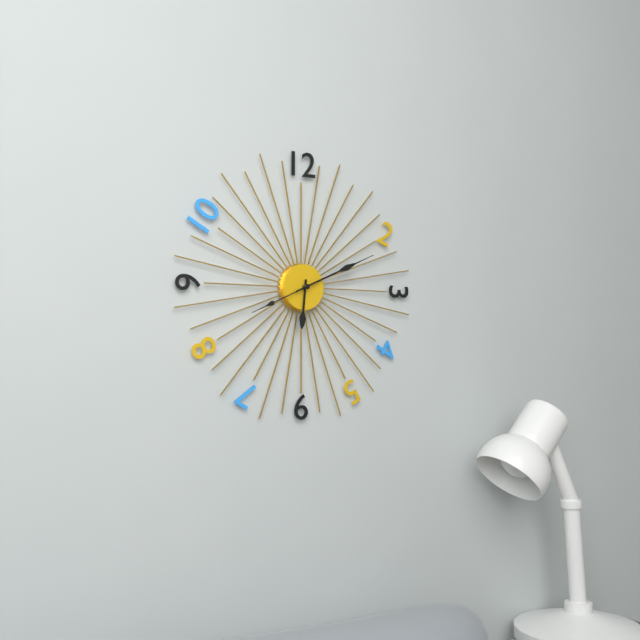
**6:11:41**
